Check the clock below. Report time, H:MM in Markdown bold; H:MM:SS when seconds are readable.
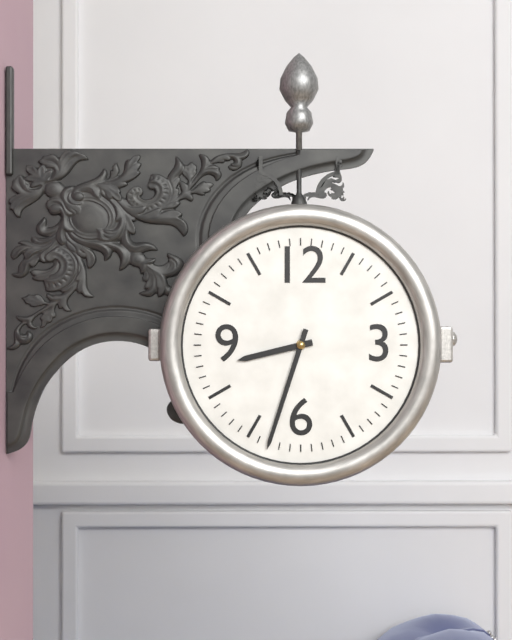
**8:33**
